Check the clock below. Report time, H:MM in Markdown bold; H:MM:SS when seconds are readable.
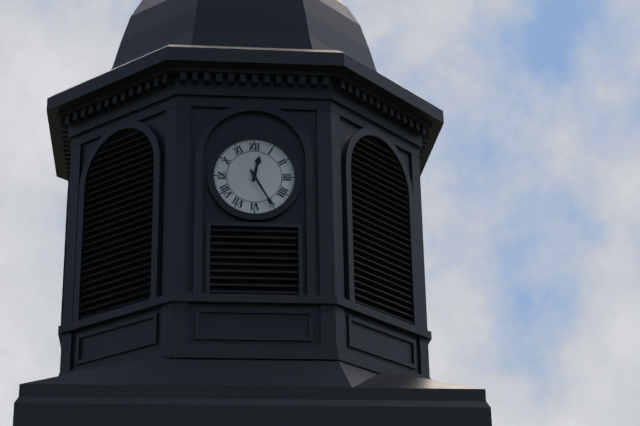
**12:25**
